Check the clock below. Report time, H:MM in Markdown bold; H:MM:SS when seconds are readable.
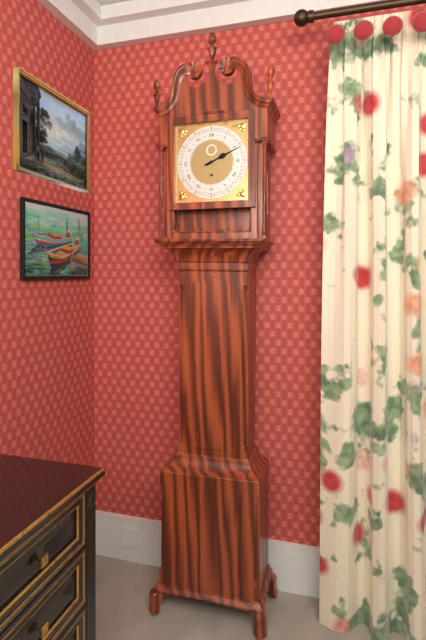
**2:11**
